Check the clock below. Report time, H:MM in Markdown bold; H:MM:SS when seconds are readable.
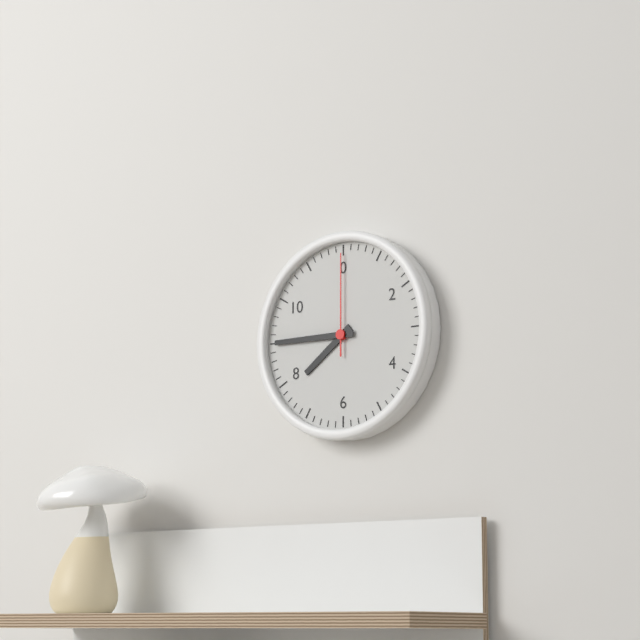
**7:45:00**
